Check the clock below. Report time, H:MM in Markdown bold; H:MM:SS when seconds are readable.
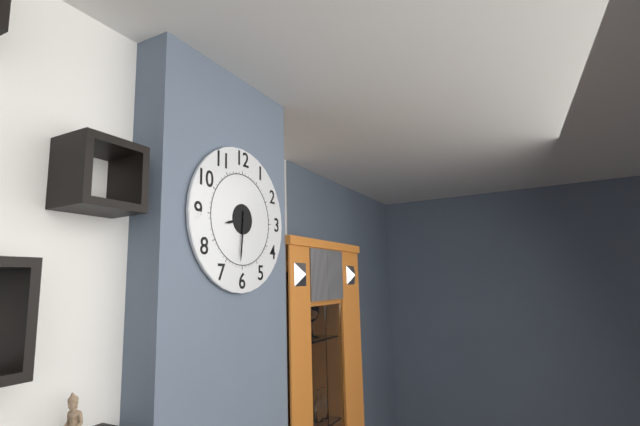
**8:31**
